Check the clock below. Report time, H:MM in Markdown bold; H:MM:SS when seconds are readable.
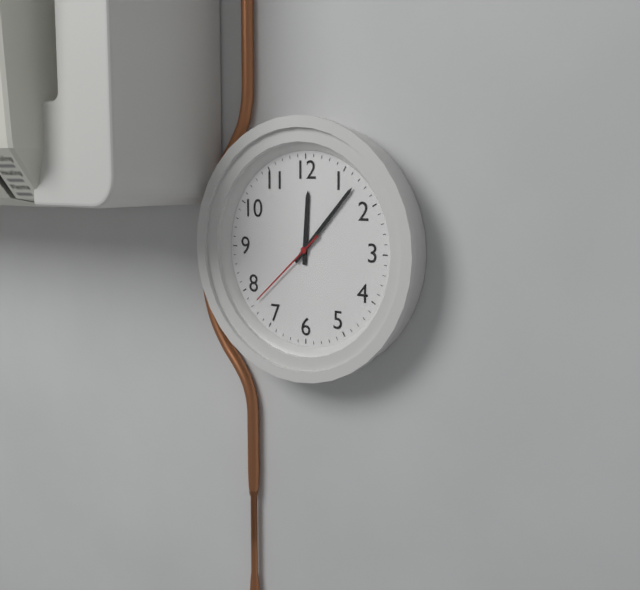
**12:07:38**
